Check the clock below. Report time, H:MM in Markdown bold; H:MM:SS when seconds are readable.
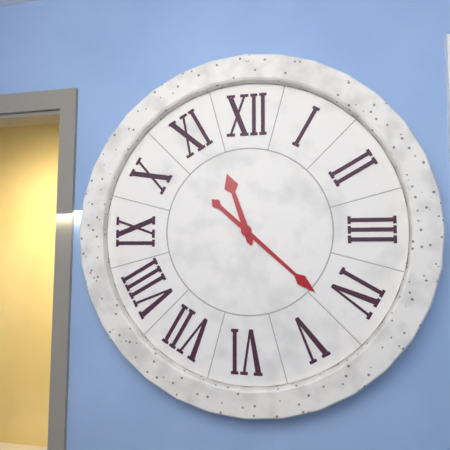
**11:22**
